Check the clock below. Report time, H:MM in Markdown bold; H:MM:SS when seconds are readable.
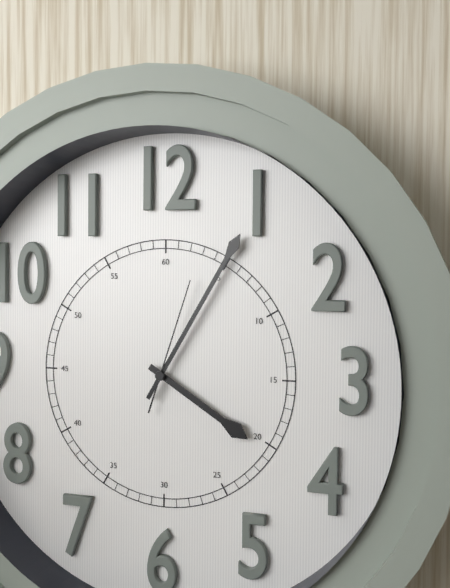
**4:05:03**
